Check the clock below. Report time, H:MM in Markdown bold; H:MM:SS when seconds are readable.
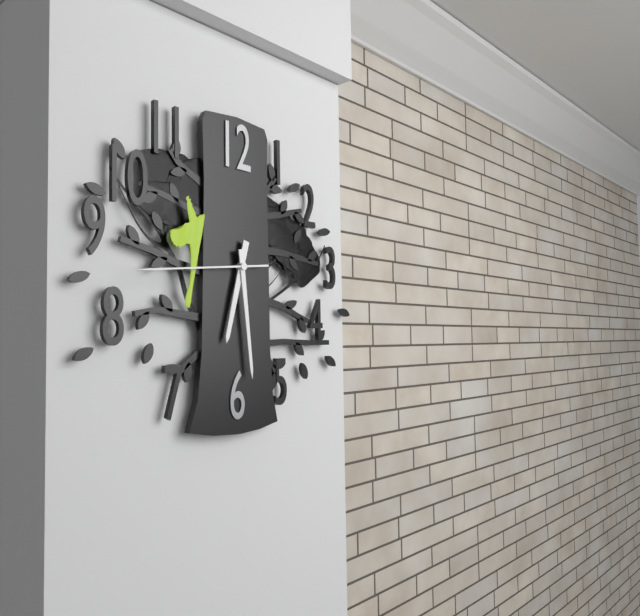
**6:29:44**
